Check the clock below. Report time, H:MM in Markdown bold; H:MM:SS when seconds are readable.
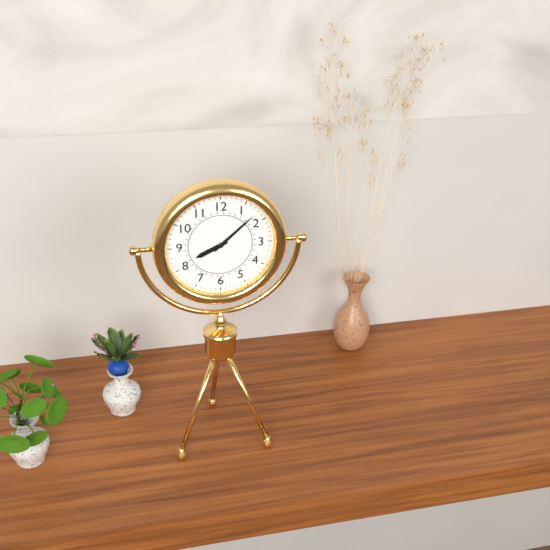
**8:08**
